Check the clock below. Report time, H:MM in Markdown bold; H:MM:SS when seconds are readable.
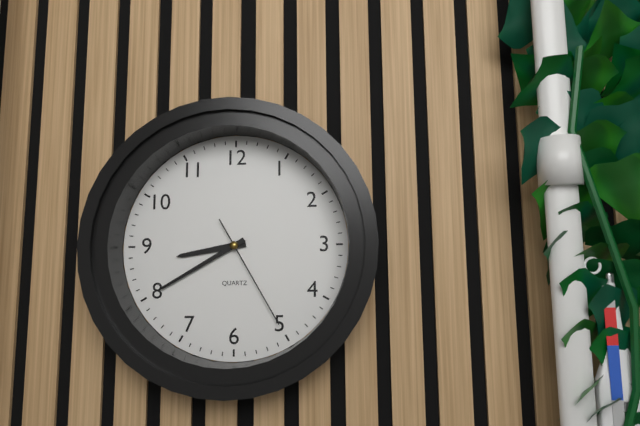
**8:40:25**
